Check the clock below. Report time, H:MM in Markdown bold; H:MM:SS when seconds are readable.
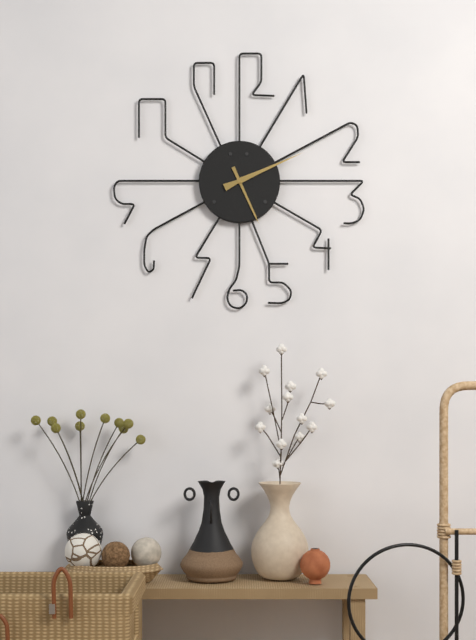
**5:11**
